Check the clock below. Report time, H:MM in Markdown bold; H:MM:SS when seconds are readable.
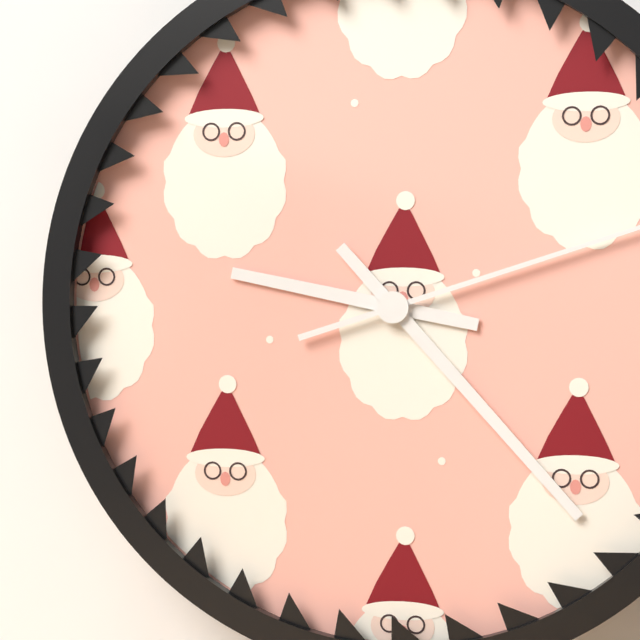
**9:23**
